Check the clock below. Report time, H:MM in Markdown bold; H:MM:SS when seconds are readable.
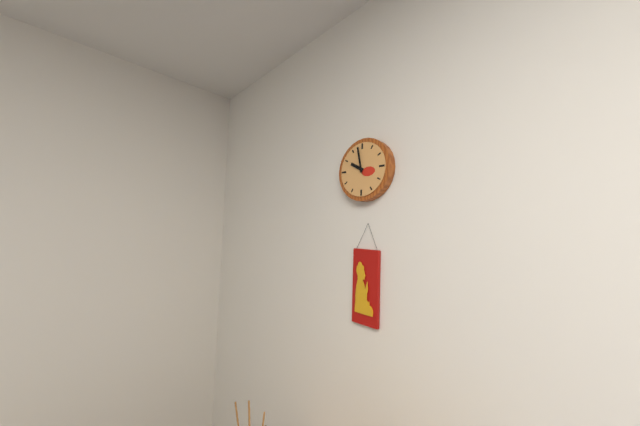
**9:58**
